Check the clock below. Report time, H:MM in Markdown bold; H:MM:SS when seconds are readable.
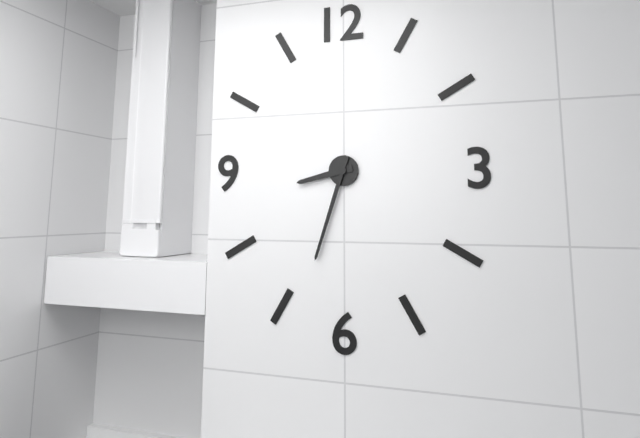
**8:33**
